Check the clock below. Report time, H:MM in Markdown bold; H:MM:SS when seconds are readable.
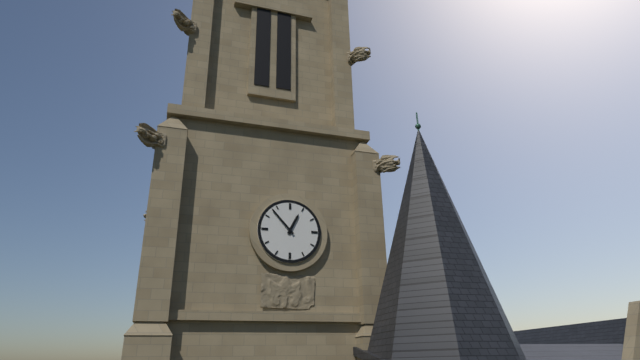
**12:53**
